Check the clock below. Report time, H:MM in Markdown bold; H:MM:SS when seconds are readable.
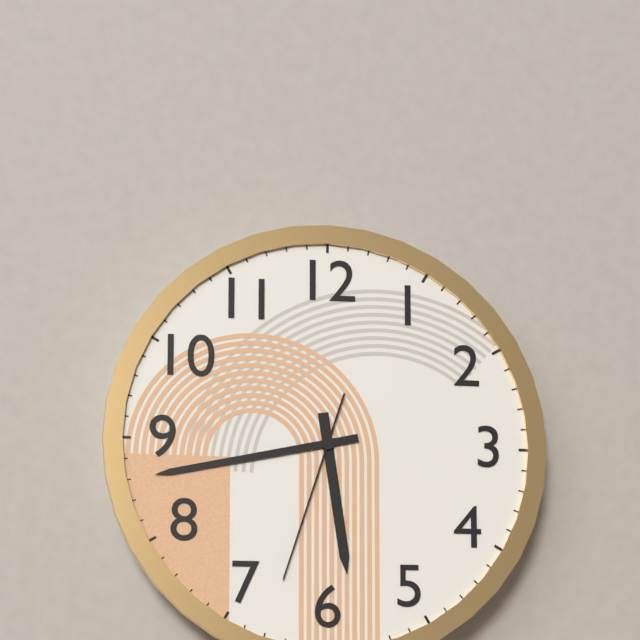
**5:43:33**
